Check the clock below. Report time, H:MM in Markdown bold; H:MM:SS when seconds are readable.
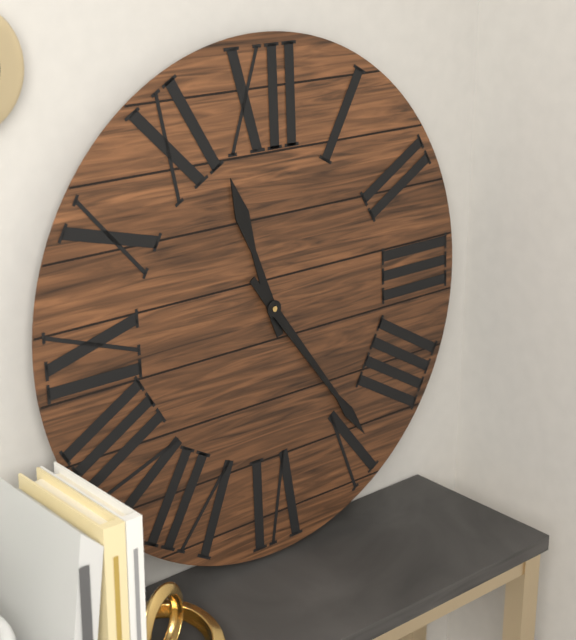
**11:24**
